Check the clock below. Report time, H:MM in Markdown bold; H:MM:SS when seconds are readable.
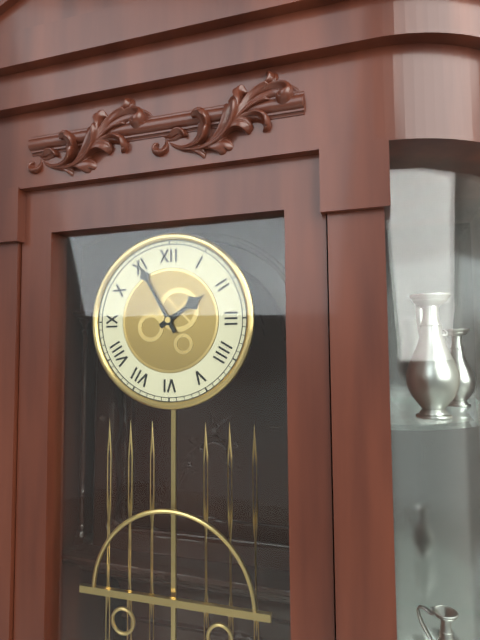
**1:55**
